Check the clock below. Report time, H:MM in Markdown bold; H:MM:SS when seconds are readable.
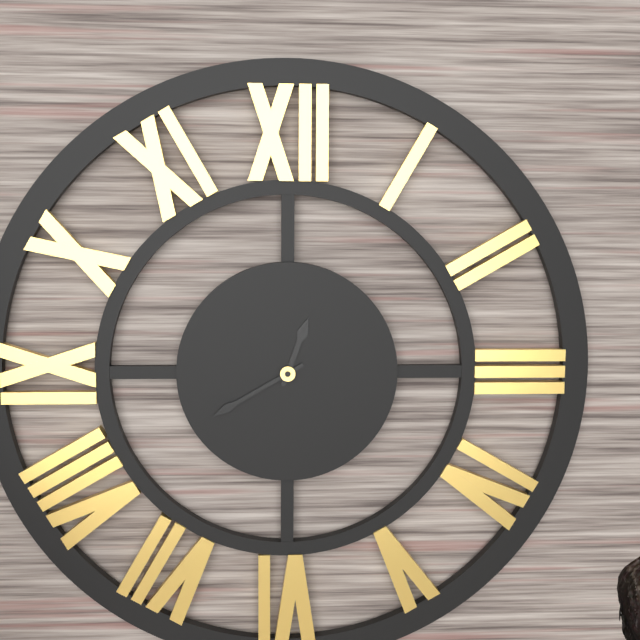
**12:40**
